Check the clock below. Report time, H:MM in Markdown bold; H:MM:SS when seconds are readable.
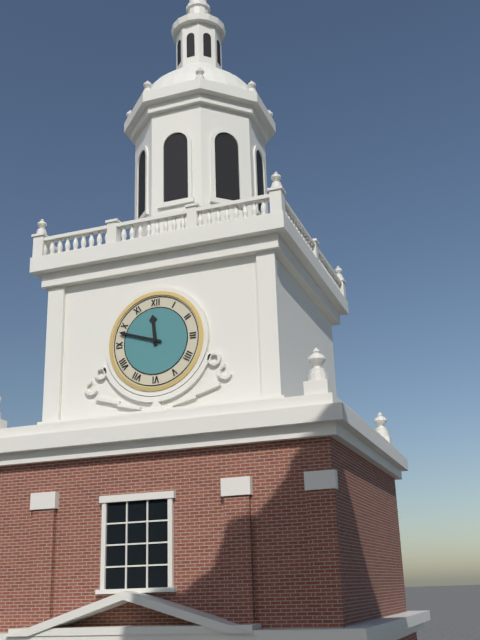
**11:48**
